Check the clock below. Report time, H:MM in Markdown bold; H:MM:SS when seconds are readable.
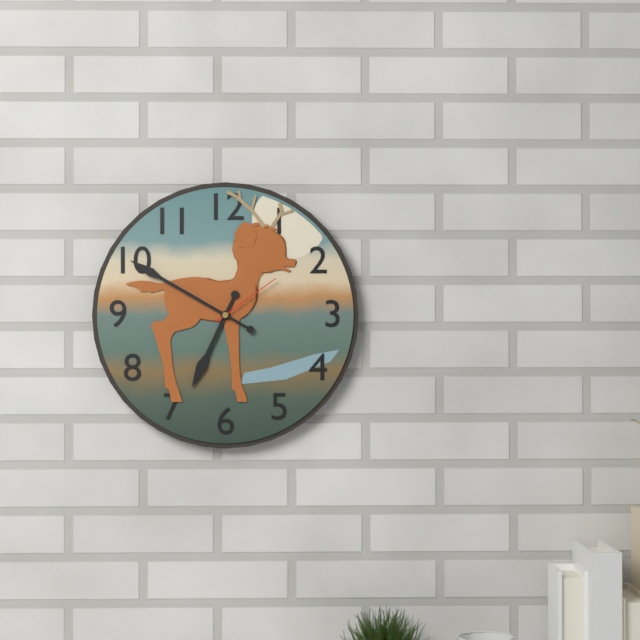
**6:50:09**
